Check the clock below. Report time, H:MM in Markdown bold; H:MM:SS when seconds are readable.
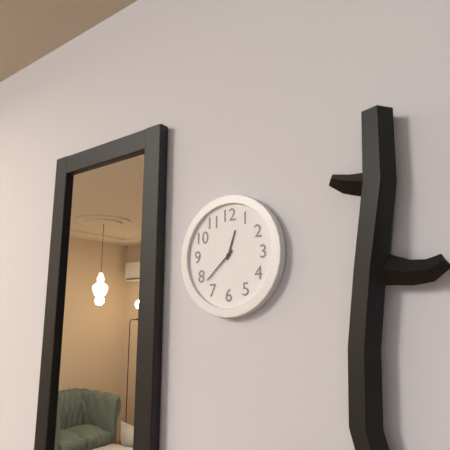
**12:38**
